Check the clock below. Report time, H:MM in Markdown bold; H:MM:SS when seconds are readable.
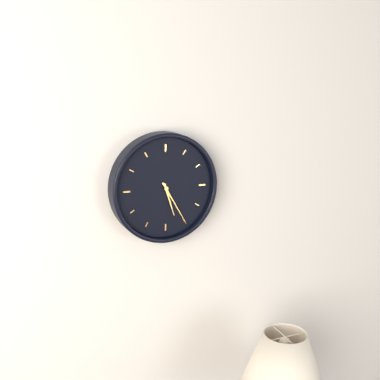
**5:25**
